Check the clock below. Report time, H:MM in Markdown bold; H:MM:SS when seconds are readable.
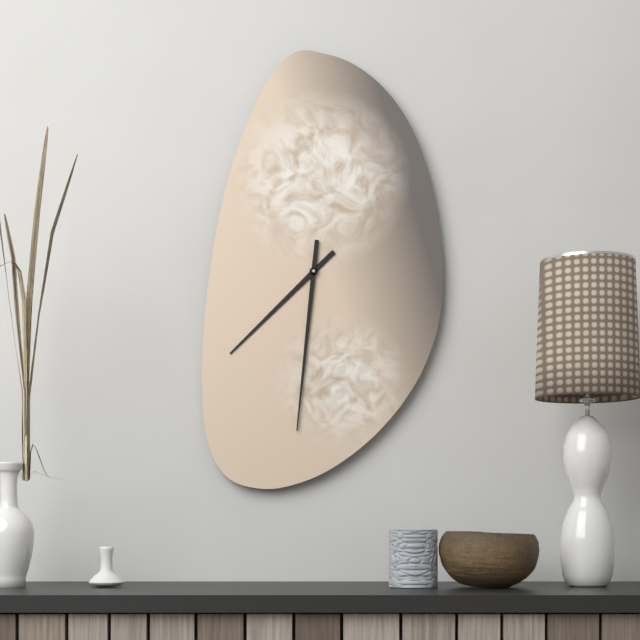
**7:31**
